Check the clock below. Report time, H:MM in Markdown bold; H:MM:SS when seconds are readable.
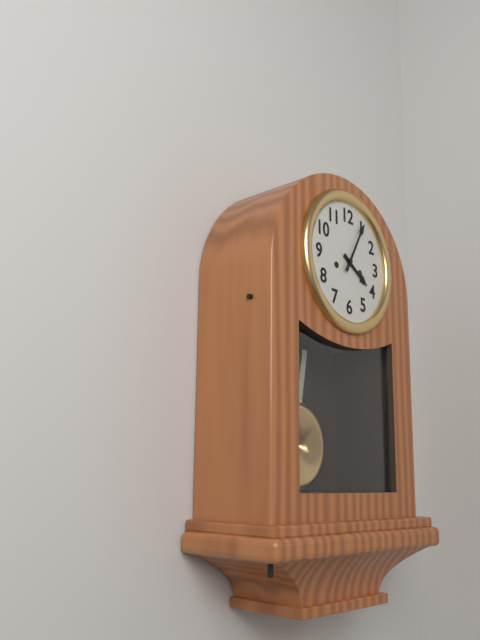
**4:05**
